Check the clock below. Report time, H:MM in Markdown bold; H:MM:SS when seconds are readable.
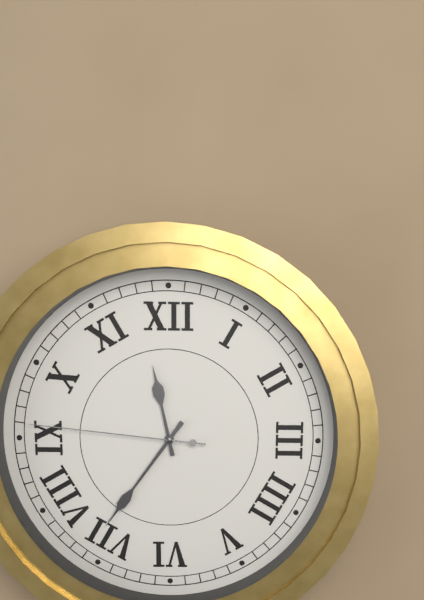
**11:36:46**
